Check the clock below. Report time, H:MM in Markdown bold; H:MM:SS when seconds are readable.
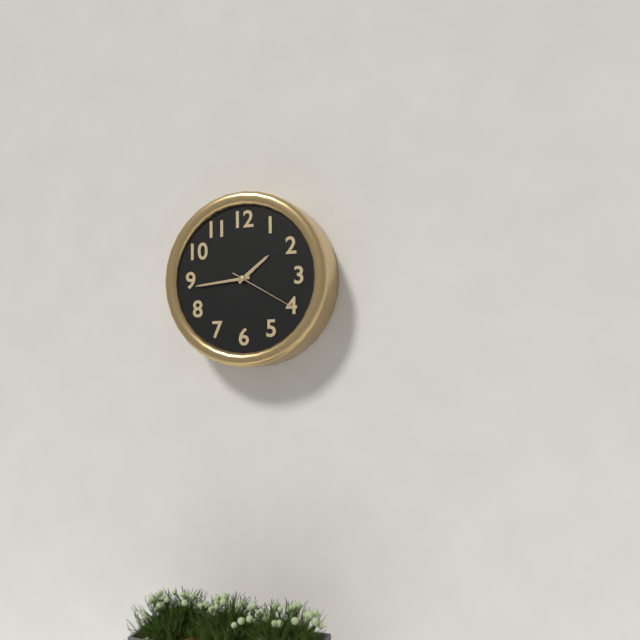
**1:44:20**
